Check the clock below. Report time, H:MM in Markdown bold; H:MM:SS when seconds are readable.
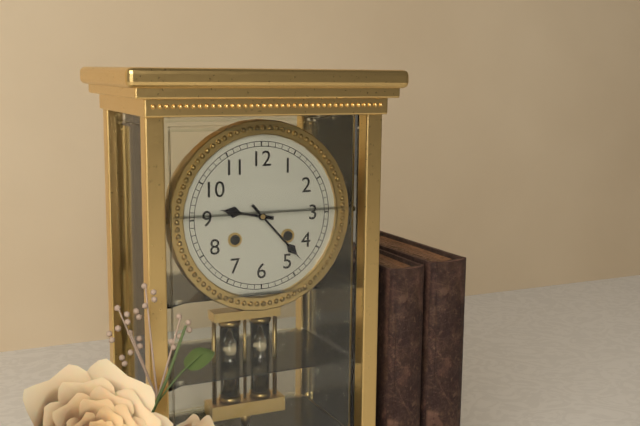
**9:23**
